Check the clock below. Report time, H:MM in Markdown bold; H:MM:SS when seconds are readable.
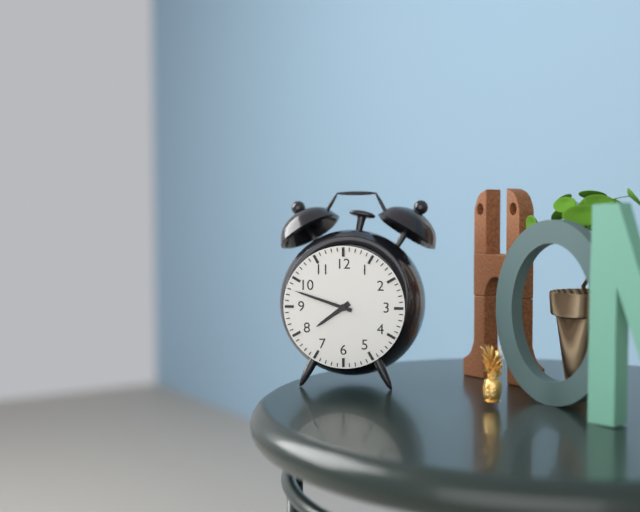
**7:48**
